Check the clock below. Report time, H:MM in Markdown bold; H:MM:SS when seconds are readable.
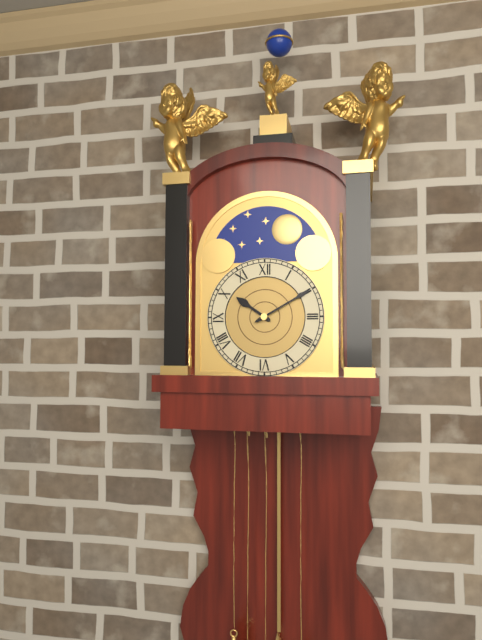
**10:10**
